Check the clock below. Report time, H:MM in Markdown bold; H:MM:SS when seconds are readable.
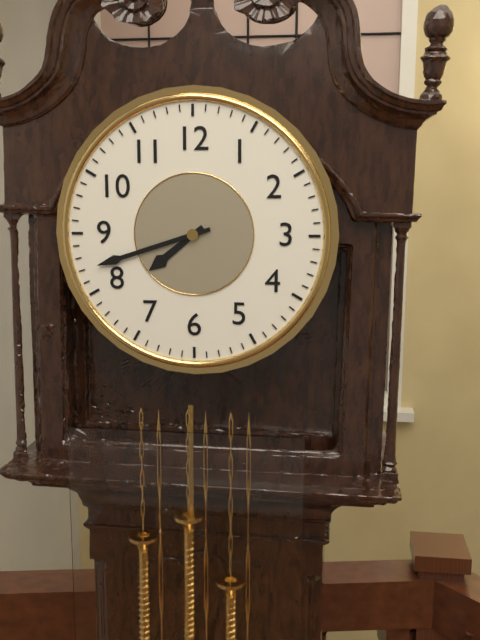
**7:42**
